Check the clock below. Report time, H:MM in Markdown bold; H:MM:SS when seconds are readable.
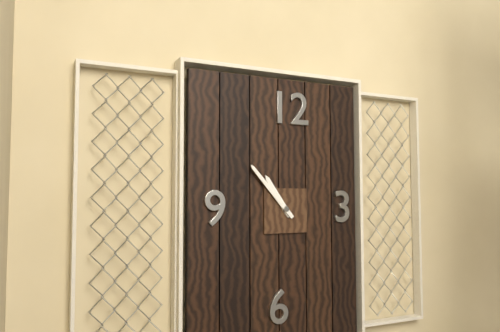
**10:53**
